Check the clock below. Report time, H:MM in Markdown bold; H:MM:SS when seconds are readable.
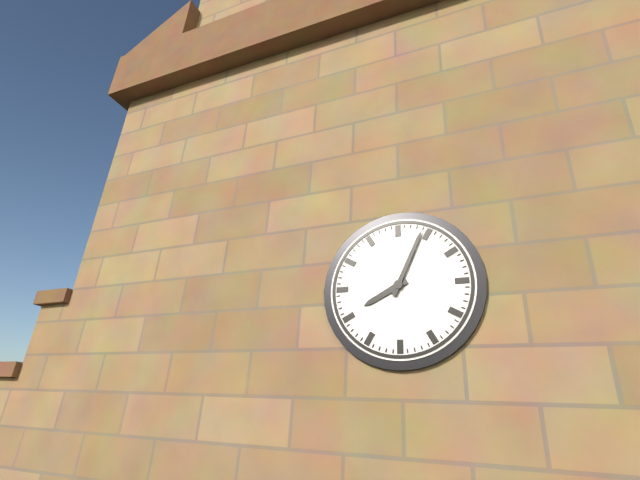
**8:04**
